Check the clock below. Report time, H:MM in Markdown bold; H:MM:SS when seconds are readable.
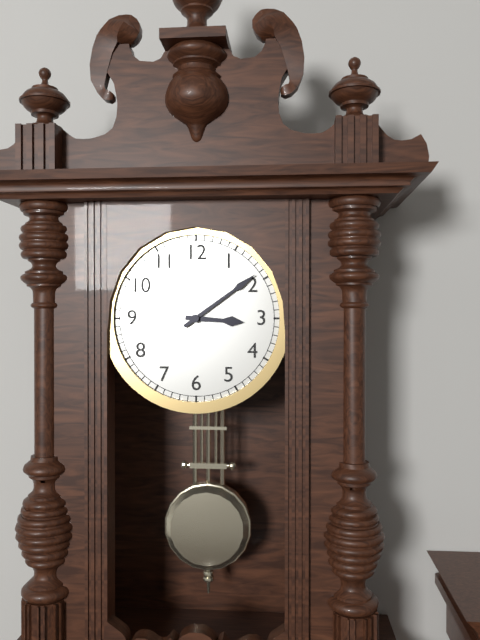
**3:09**
